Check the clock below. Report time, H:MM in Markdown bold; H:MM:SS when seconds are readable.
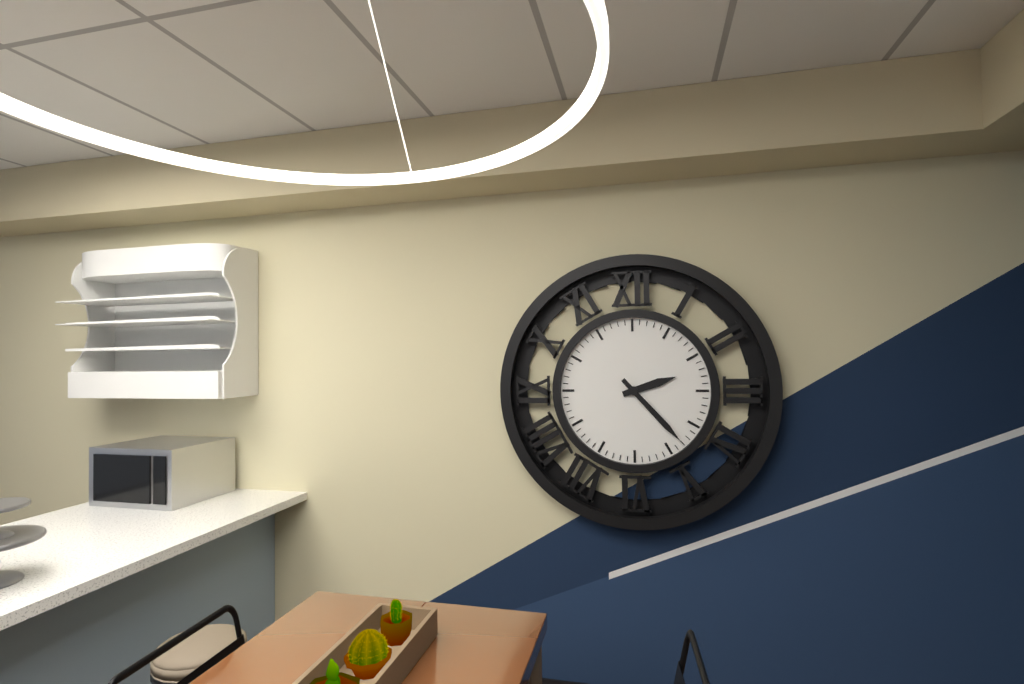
**2:23**
